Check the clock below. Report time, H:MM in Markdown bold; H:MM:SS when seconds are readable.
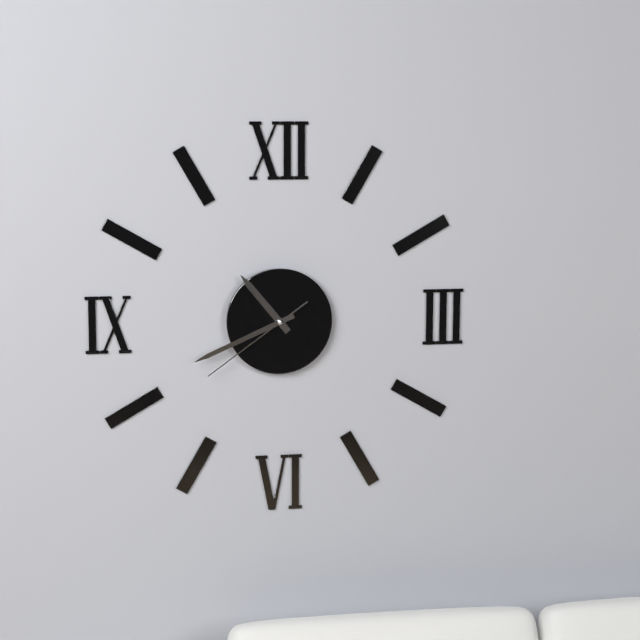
**10:41:39**
